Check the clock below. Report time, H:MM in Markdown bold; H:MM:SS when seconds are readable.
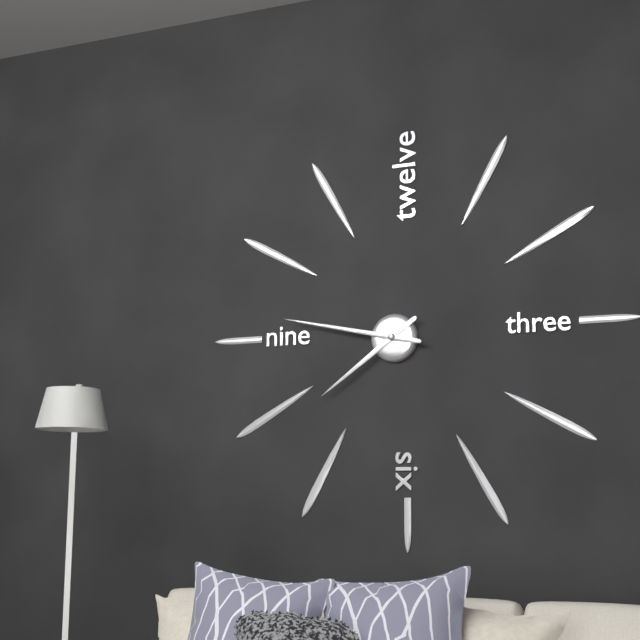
**7:47**
